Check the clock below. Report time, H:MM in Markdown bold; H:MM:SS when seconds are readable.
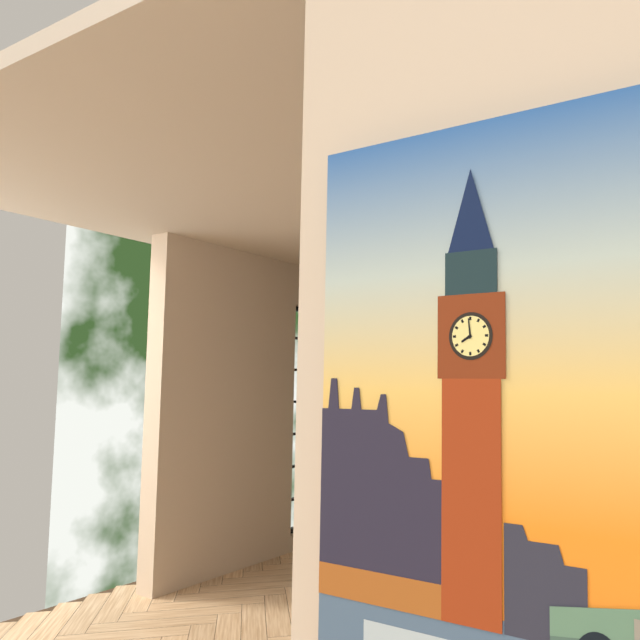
**7:59**
